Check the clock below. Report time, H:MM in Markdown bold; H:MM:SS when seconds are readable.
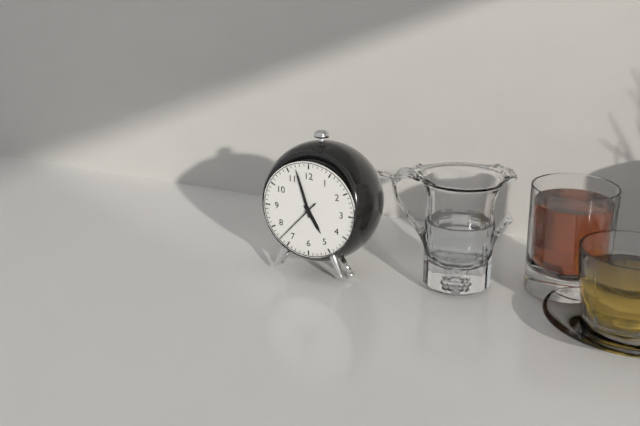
**4:57**
